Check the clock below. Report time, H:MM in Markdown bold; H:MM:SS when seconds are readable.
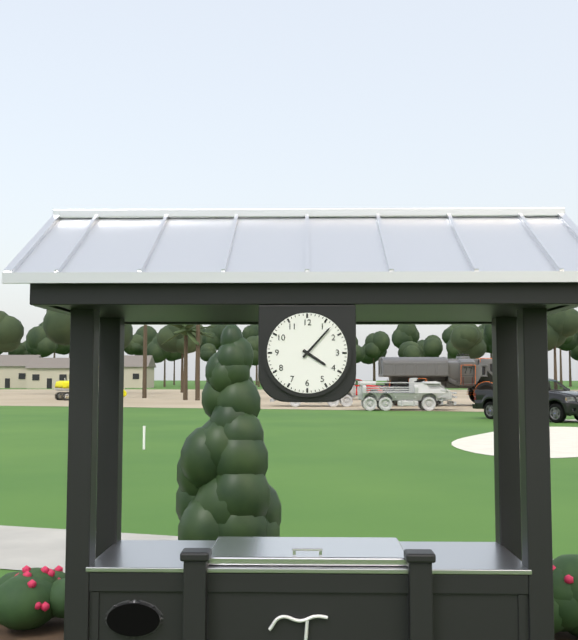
**4:07**
